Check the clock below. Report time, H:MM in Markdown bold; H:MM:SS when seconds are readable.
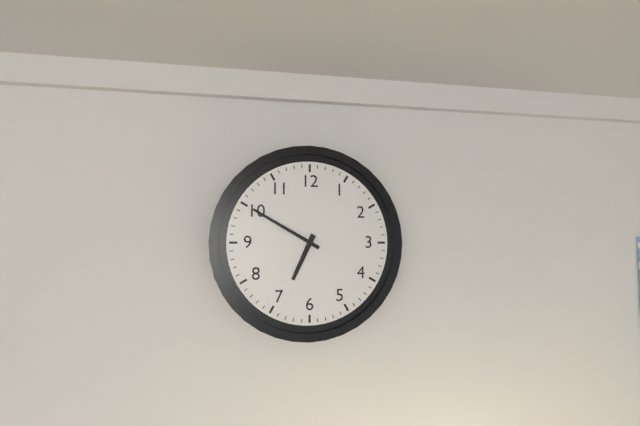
**6:50**
